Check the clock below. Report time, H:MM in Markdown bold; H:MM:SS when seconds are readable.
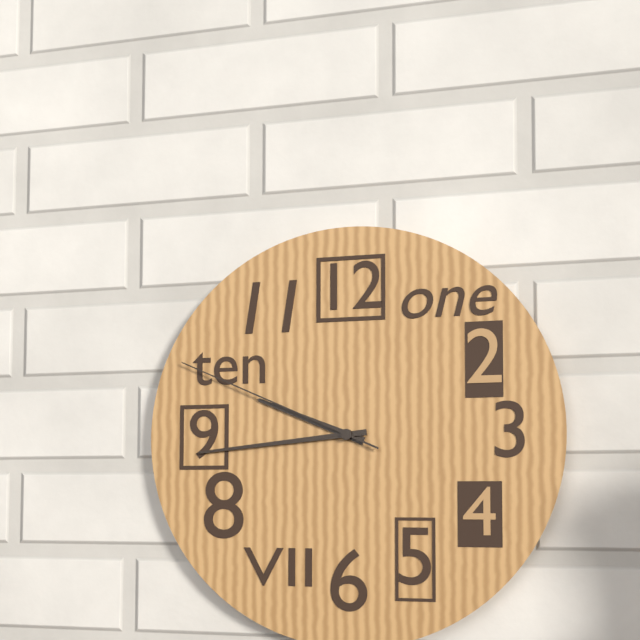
**9:44:49**
